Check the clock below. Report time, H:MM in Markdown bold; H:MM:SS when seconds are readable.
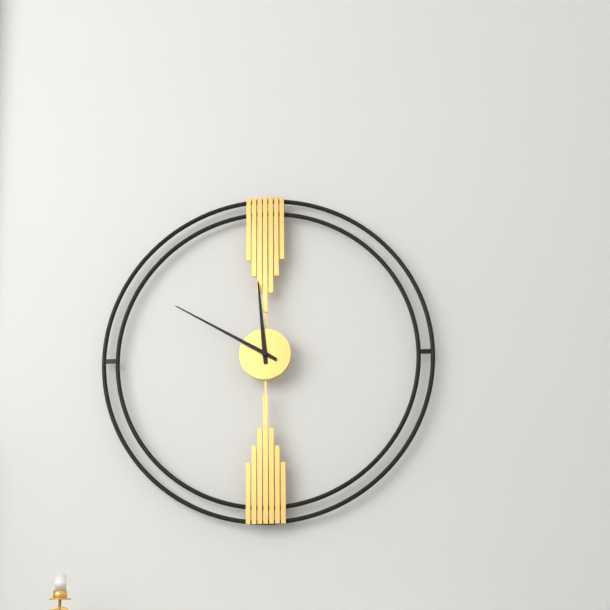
**11:50**
